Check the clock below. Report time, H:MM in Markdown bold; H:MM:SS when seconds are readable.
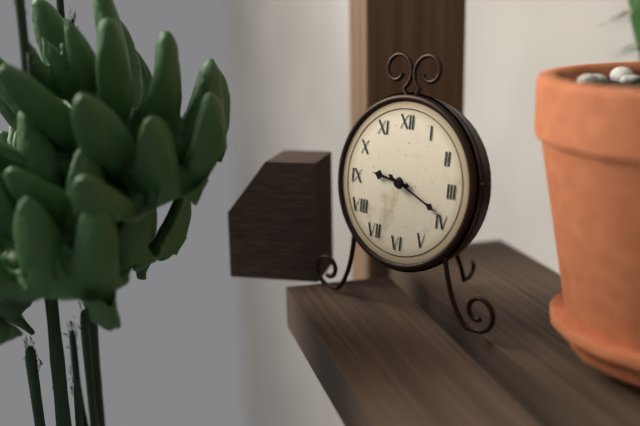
**9:19**
